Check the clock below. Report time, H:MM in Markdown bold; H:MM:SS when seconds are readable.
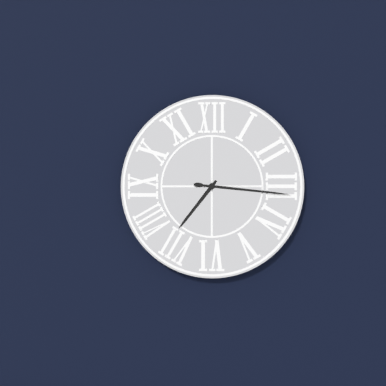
**7:16**
